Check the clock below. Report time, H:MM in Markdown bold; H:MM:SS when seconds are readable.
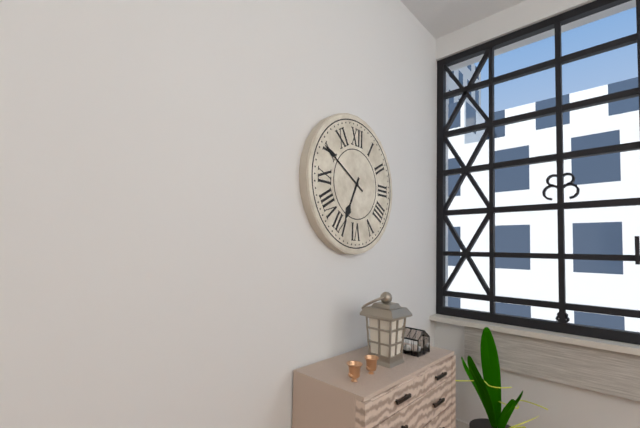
**6:50**
